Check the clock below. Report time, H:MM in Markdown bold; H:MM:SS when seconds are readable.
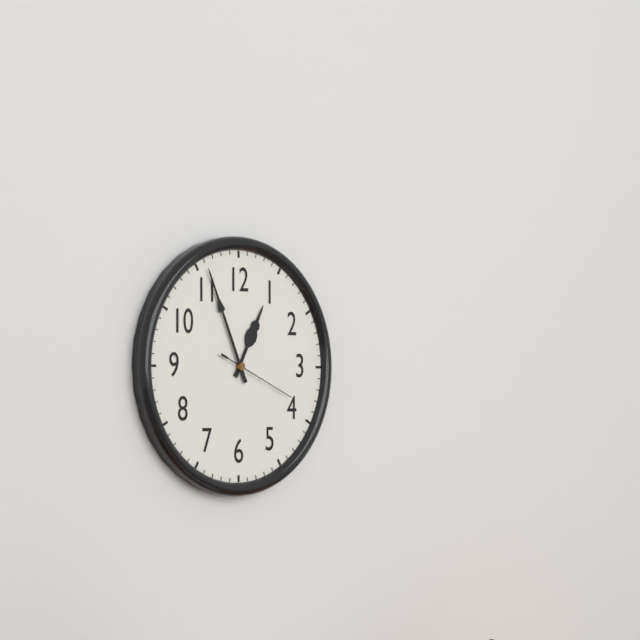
**12:56:19**
